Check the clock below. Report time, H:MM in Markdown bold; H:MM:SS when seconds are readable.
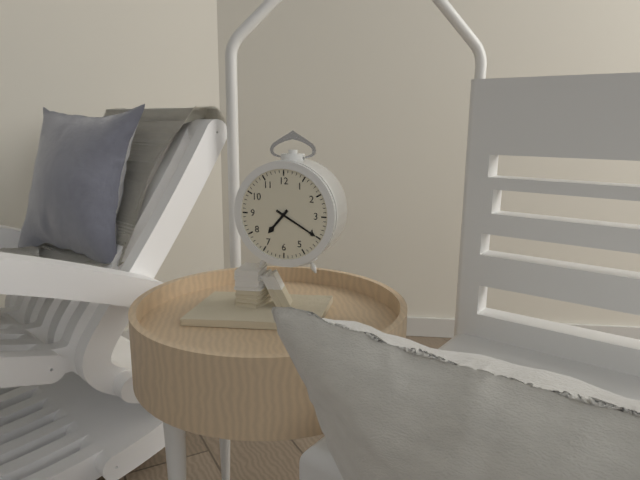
**7:20**
